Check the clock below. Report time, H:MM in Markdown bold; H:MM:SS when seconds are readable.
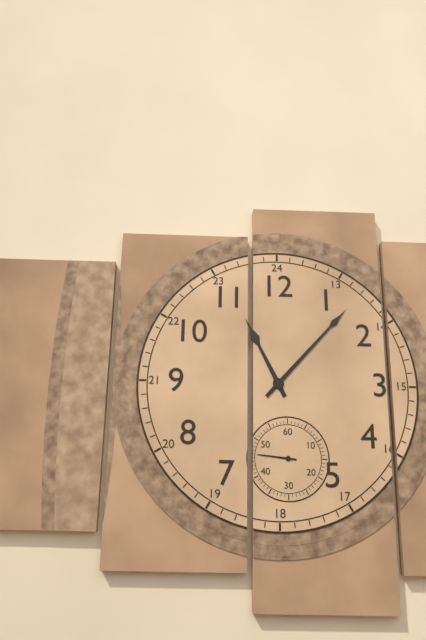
**11:07**
